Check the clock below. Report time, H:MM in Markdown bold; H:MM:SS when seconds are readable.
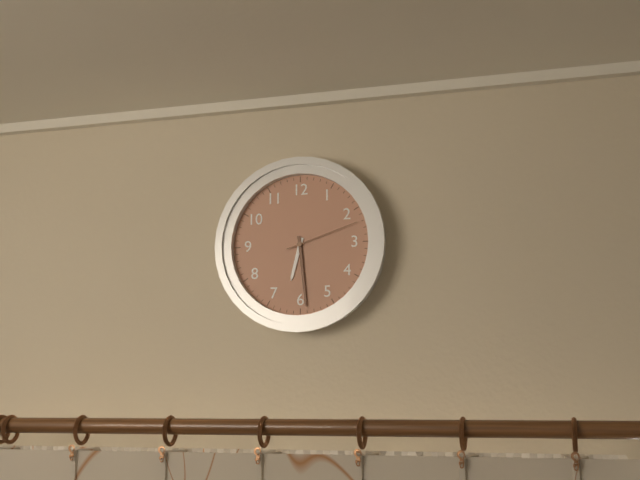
**6:29:12**
